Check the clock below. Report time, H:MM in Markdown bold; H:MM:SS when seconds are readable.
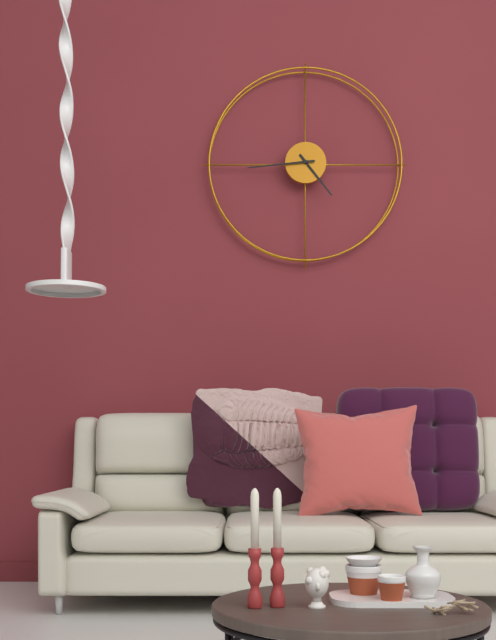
**4:44**
